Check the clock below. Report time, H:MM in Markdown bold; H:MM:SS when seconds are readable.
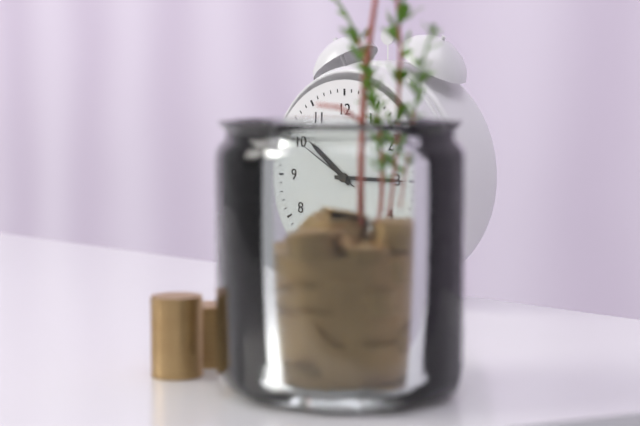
**10:15:50**
